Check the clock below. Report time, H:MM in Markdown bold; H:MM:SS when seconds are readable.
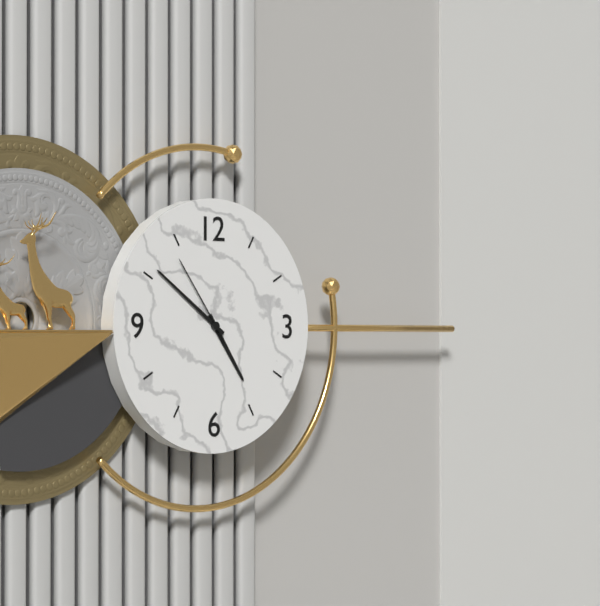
**4:51:54**
